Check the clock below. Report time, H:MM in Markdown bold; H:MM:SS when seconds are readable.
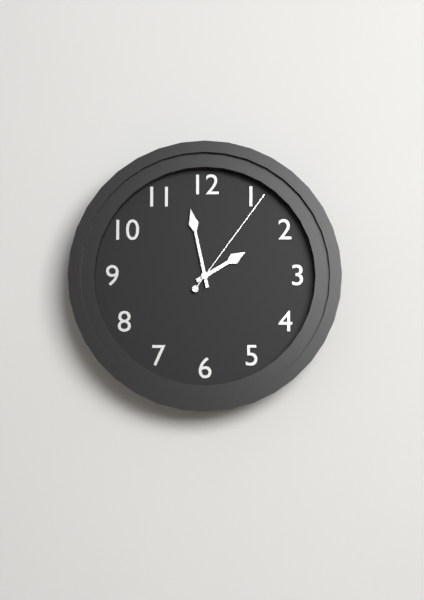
**1:58:06**
